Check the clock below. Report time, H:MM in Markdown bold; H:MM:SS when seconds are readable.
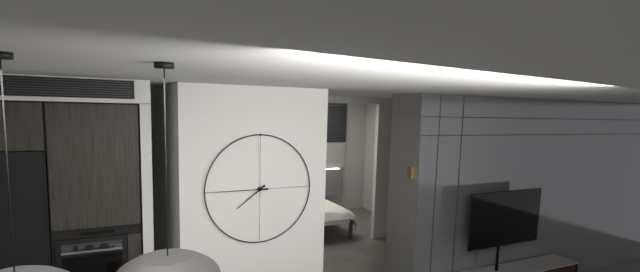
**7:45**
